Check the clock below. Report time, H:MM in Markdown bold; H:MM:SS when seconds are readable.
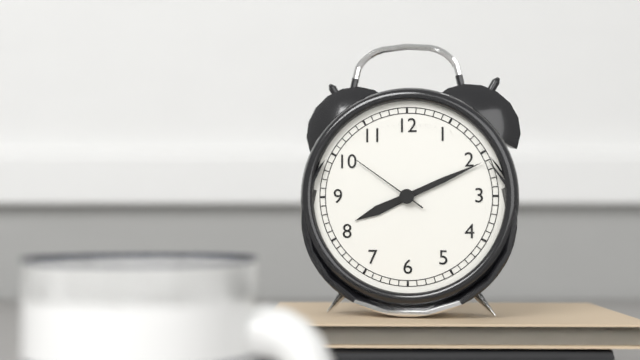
**8:11:51**
